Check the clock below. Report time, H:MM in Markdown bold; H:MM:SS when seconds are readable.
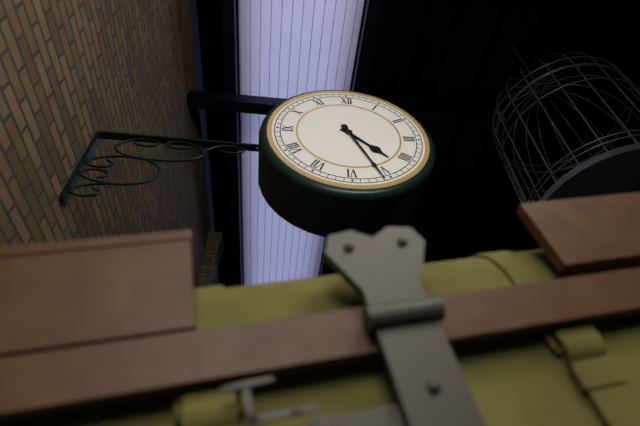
**4:26**
